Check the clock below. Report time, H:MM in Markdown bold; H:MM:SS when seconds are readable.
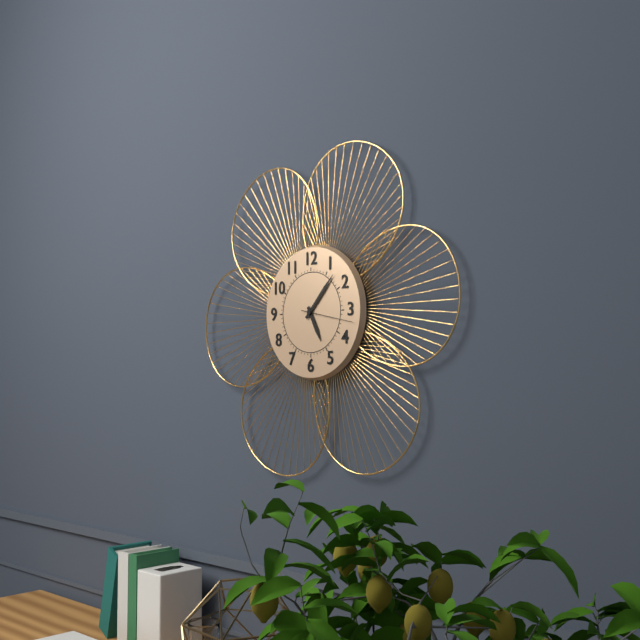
**5:07:17**
